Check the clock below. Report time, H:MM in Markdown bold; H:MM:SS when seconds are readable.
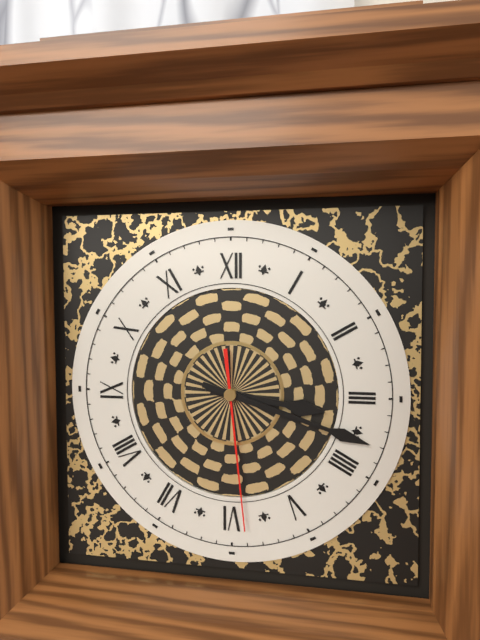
**3:18:29**
